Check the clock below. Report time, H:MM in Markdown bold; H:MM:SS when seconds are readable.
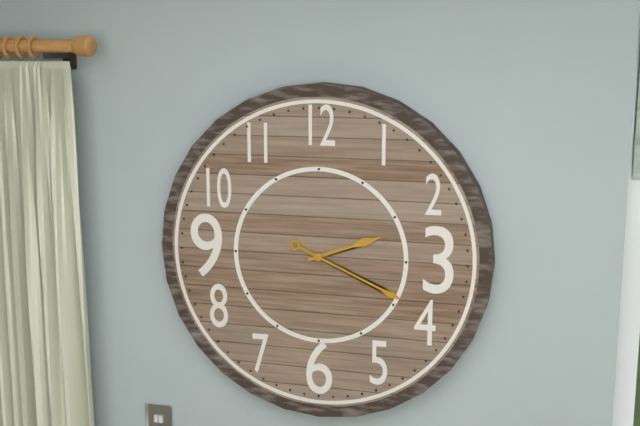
**2:19**
